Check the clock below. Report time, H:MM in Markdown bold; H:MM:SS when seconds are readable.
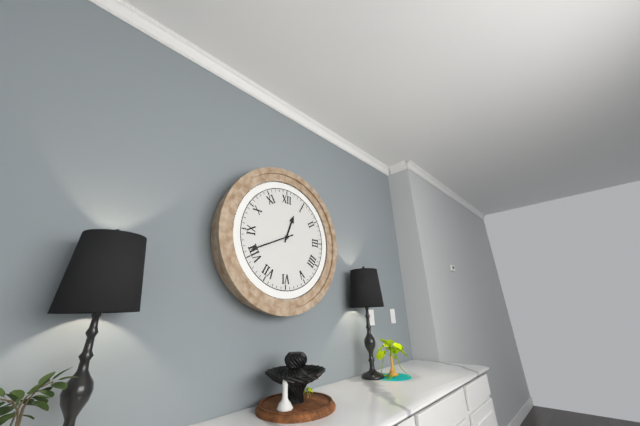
**12:41**
